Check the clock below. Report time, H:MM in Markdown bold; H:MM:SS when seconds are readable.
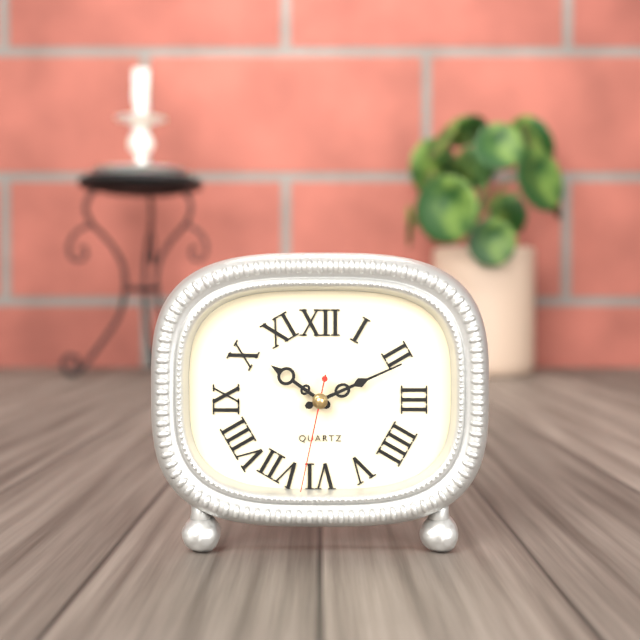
**10:11:32**
